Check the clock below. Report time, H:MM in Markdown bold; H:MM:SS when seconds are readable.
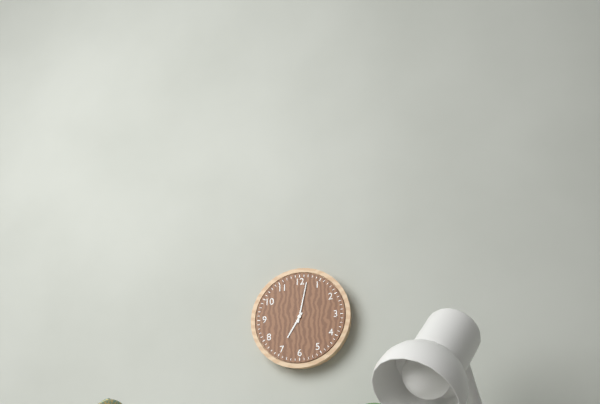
**7:02**
